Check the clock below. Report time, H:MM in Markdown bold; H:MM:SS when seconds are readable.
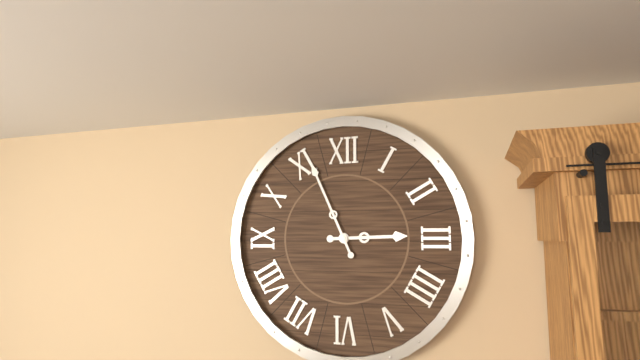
**2:56**
